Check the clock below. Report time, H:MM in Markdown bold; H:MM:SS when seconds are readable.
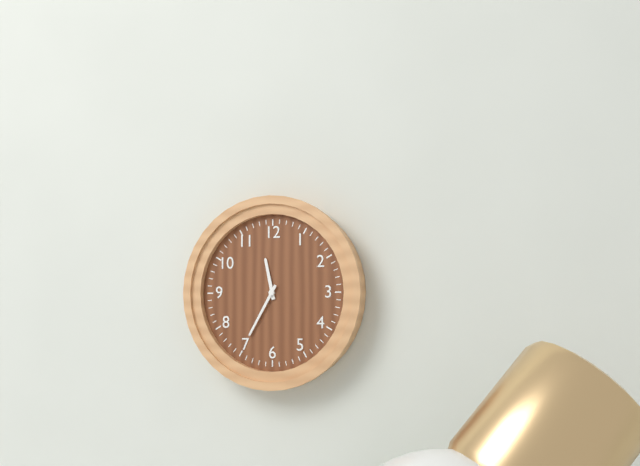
**11:35**
